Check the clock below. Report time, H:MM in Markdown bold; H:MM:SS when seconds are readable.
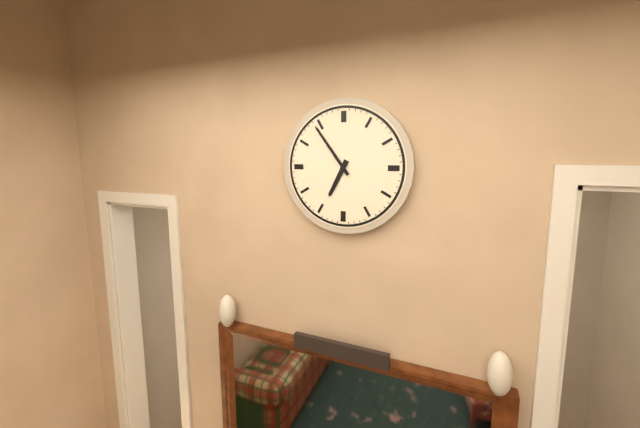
**6:54**
